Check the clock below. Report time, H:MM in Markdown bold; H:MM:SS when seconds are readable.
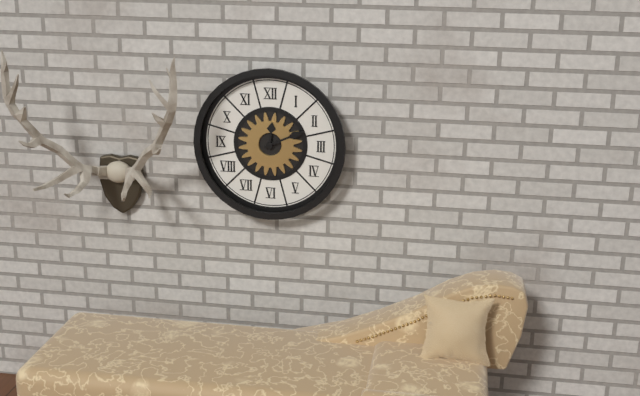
**12:11**
